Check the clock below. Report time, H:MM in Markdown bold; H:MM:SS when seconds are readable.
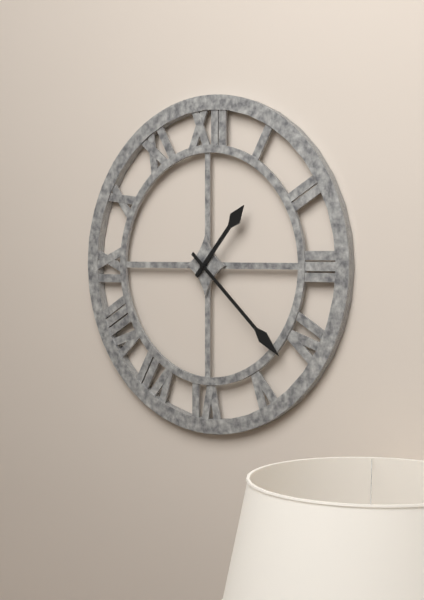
**1:22**
